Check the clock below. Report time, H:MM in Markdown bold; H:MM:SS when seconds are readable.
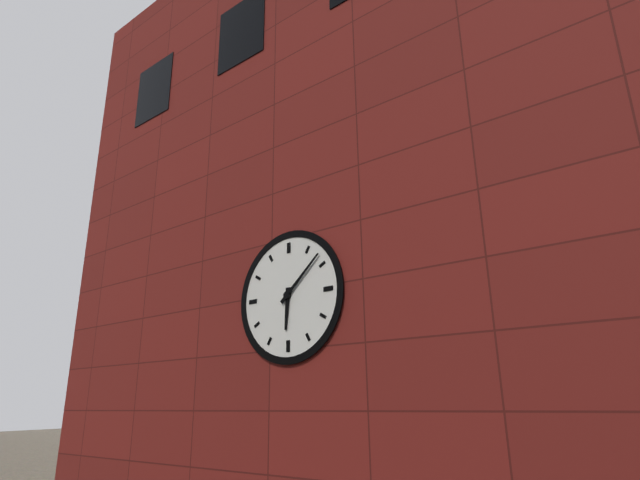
**6:08**
